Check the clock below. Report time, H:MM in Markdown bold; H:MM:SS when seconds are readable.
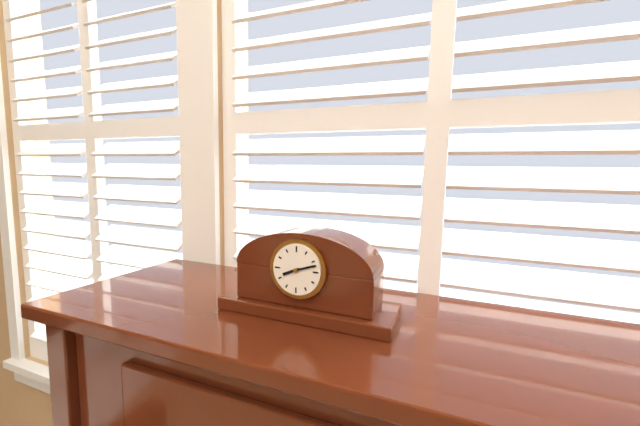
**8:12**
